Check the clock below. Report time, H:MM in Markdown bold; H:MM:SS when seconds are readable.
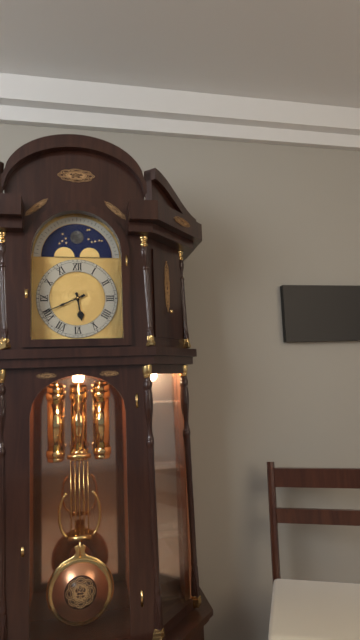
**5:41**
